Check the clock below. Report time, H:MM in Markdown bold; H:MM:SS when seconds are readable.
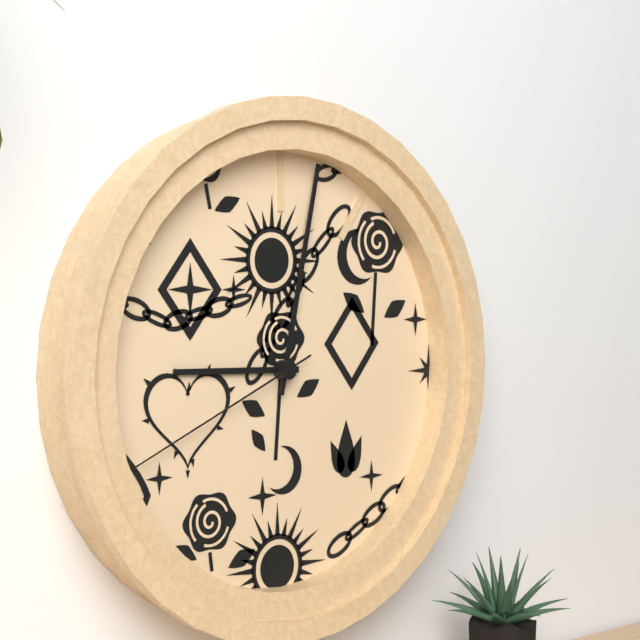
**9:02:41**
